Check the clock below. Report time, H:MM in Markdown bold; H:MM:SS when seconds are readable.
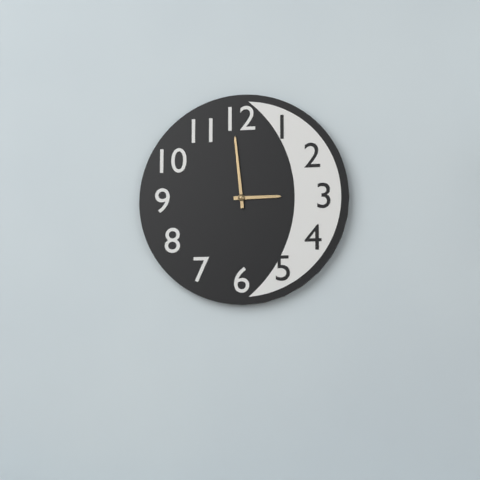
**2:59**
